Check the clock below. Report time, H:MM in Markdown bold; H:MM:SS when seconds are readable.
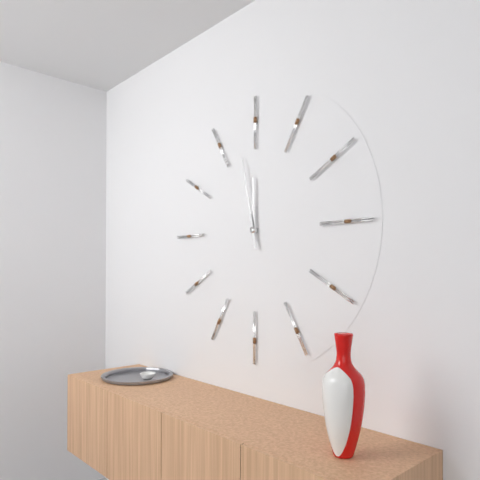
**11:58**
